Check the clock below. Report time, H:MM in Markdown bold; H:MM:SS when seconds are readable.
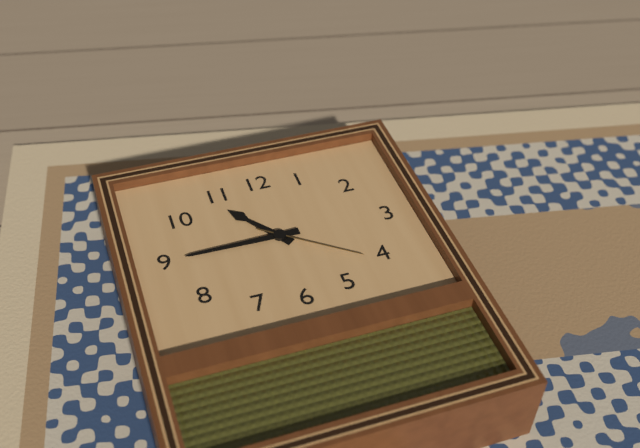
**10:45:21**
